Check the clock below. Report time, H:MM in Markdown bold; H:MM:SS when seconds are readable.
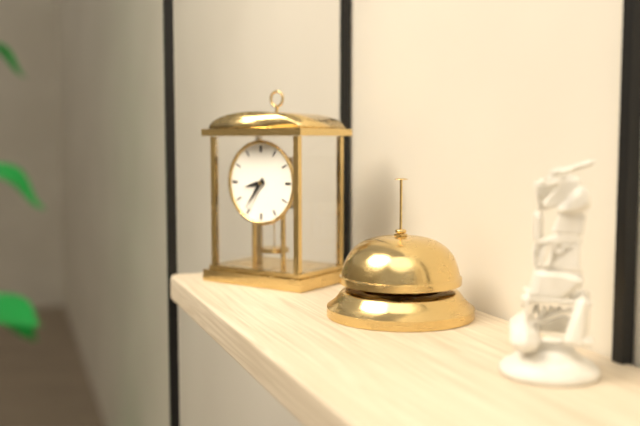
**8:36**
